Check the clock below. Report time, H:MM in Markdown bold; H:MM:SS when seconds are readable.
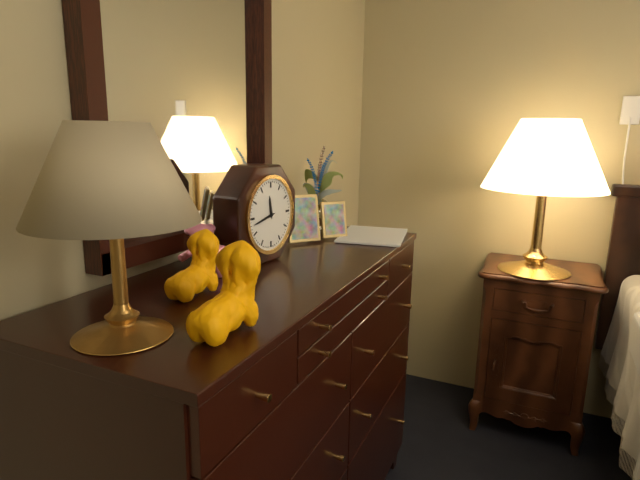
**11:43**
